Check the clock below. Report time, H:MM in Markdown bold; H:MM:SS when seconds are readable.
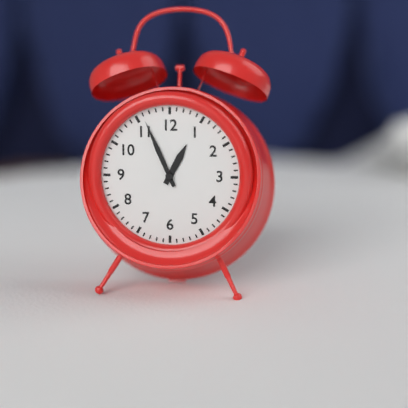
**12:56**
